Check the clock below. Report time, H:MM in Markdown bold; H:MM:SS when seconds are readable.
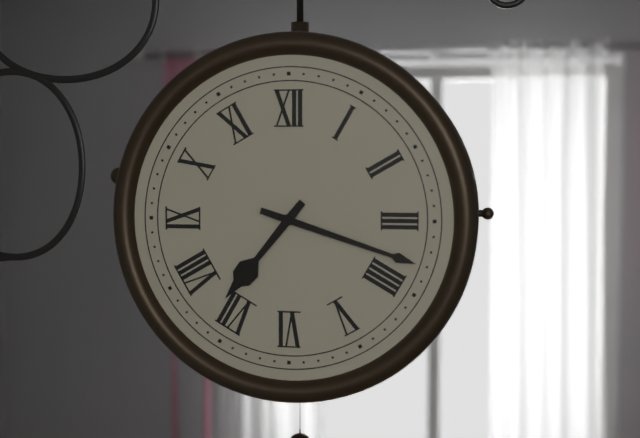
**7:18**
